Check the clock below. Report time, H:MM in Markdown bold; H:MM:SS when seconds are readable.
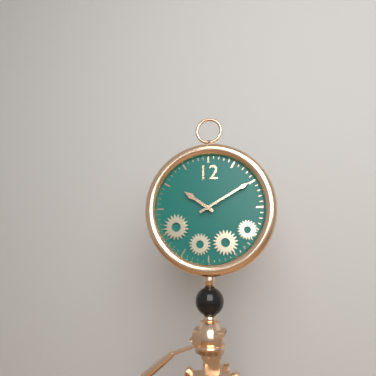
**10:10**
